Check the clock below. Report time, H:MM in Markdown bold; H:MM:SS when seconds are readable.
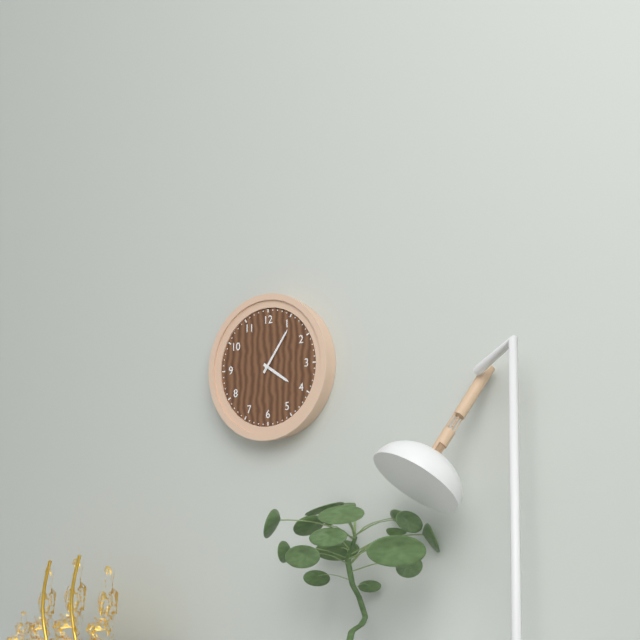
**4:06**
